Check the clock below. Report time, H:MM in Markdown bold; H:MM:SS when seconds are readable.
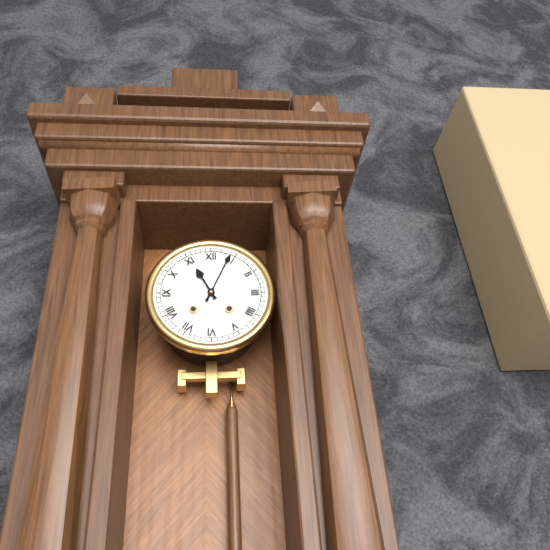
**11:04**
